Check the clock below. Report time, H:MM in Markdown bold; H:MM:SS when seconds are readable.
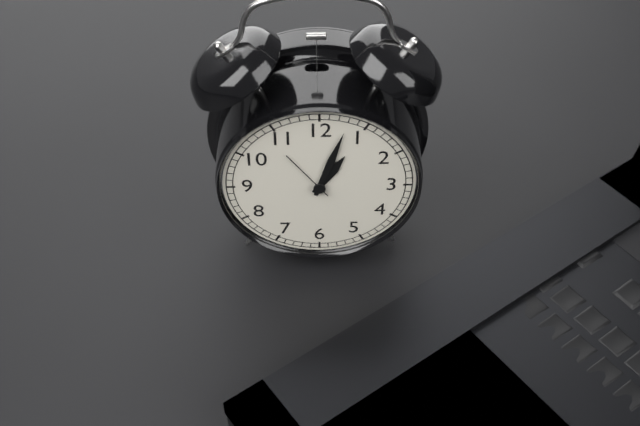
**1:03:54**
